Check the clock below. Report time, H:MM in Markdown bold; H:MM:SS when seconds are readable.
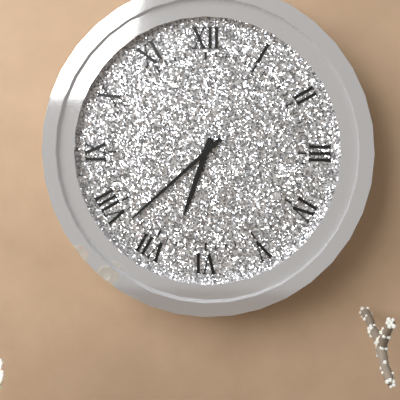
**6:38**
